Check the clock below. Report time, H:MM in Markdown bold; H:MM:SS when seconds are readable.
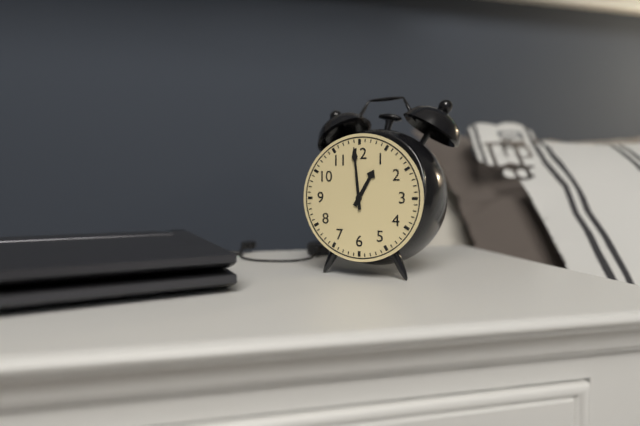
**12:59**
